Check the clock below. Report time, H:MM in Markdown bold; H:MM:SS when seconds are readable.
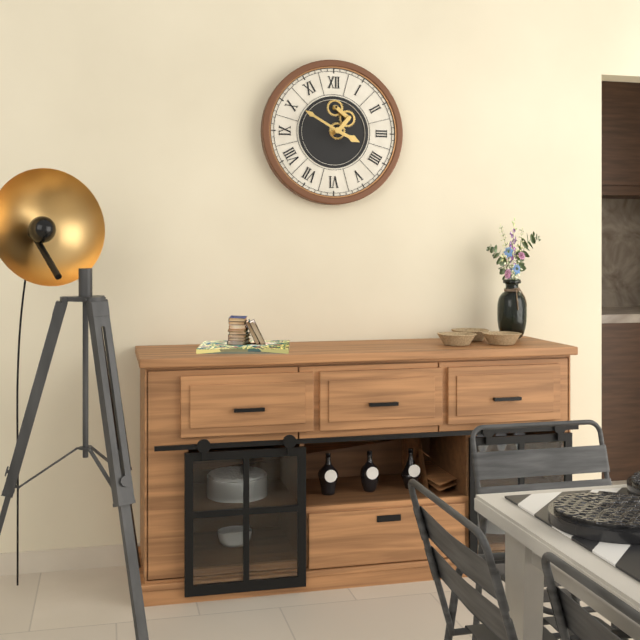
**3:50**
